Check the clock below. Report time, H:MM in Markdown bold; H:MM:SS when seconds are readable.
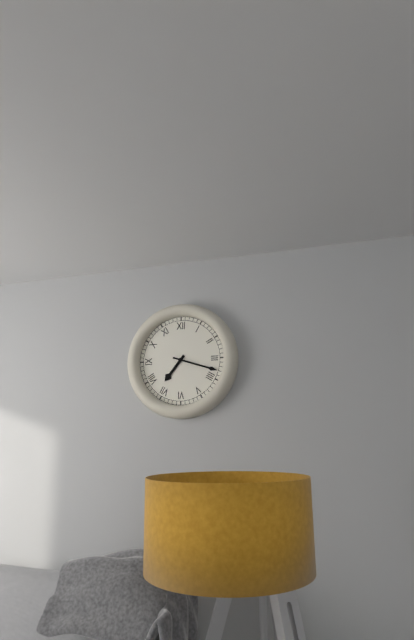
**7:18**
